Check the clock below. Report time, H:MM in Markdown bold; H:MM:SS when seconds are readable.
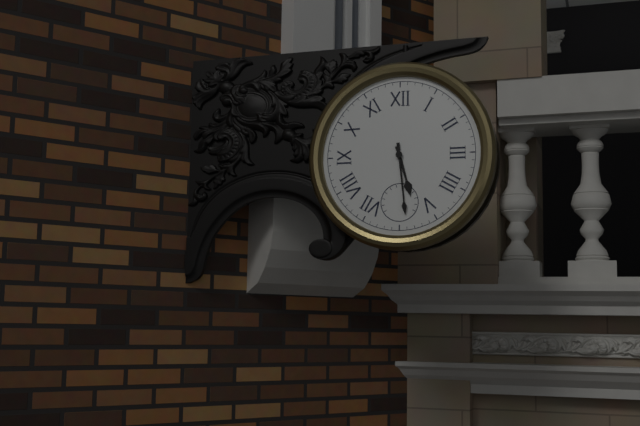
**5:29**
